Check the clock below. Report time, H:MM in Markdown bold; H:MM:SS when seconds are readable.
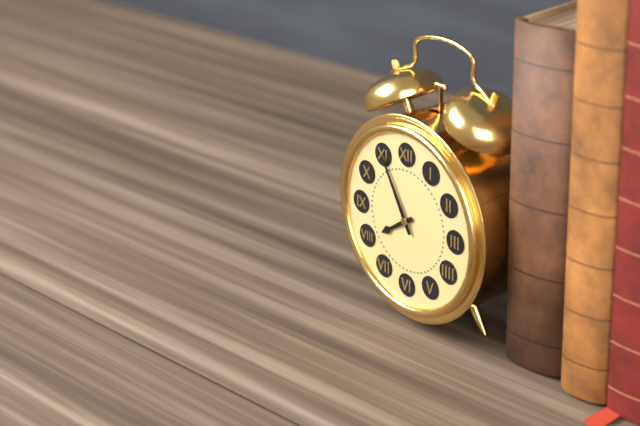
**7:55**
